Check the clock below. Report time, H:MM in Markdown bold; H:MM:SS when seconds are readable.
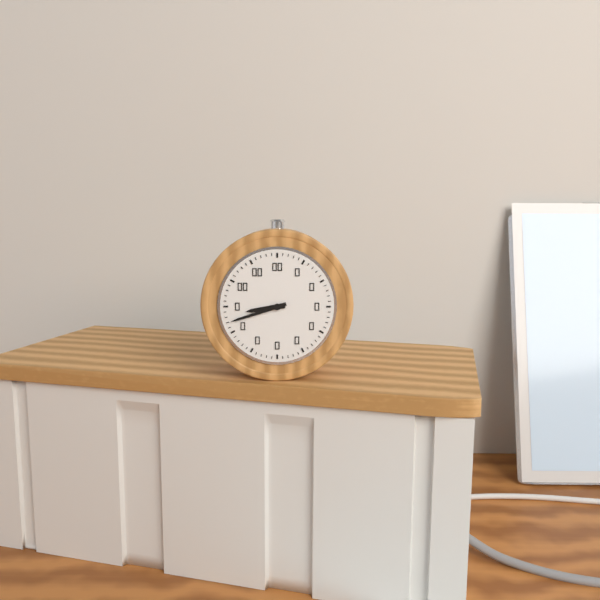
**8:42**
